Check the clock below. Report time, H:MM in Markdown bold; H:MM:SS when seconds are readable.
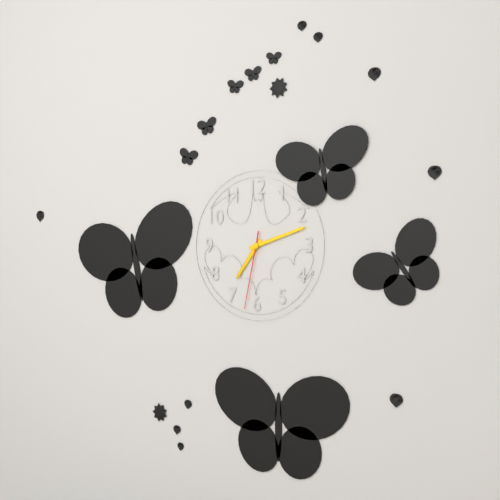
**7:12:32**
